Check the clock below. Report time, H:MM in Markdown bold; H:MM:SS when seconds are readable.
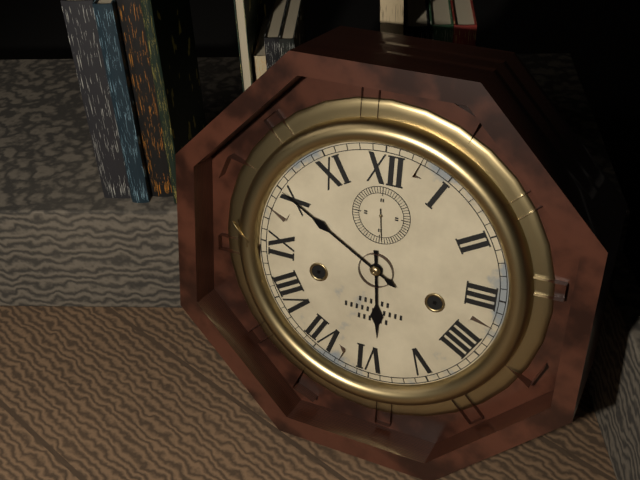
**5:50**
